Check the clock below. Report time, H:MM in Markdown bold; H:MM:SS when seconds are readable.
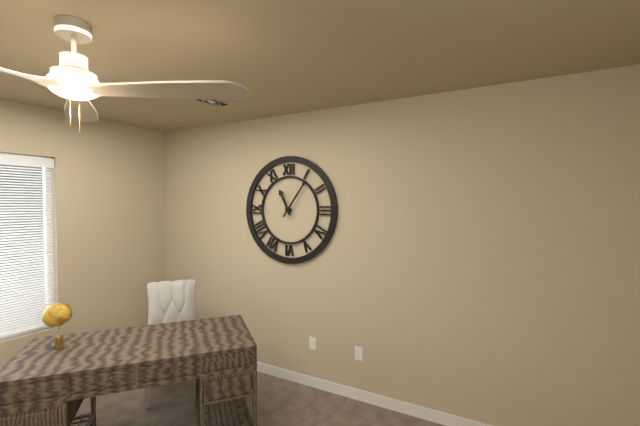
**11:06**
